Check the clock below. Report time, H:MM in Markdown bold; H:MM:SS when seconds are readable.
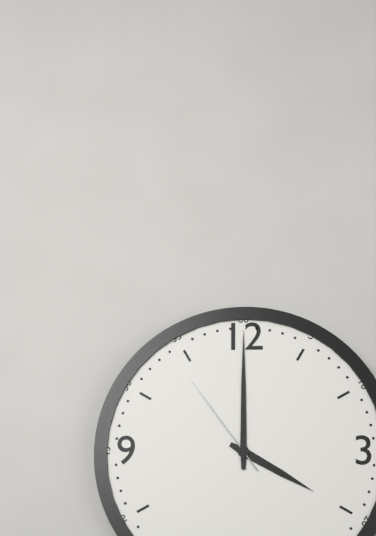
**4:00:54**
